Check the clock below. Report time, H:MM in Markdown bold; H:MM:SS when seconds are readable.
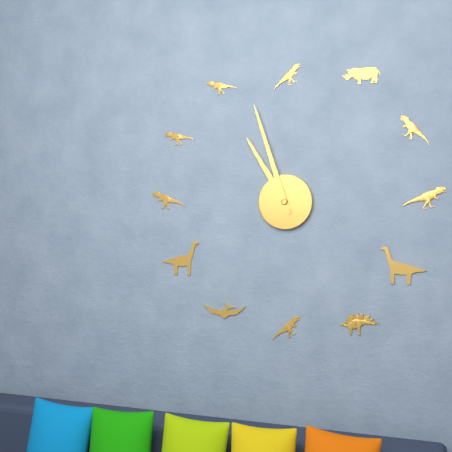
**10:57**
